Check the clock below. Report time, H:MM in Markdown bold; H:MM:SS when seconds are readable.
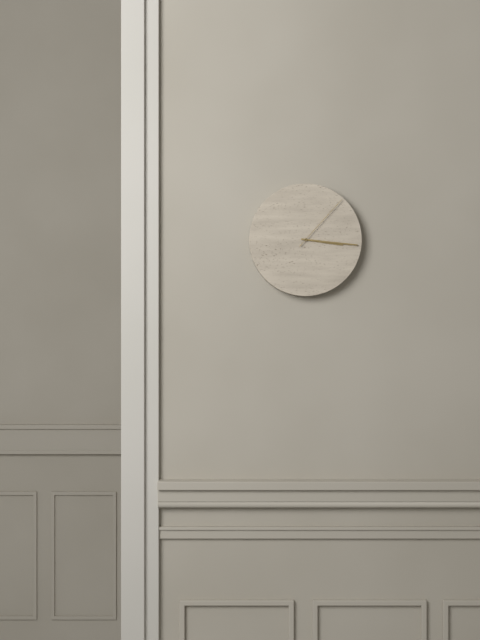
**3:16:07**
